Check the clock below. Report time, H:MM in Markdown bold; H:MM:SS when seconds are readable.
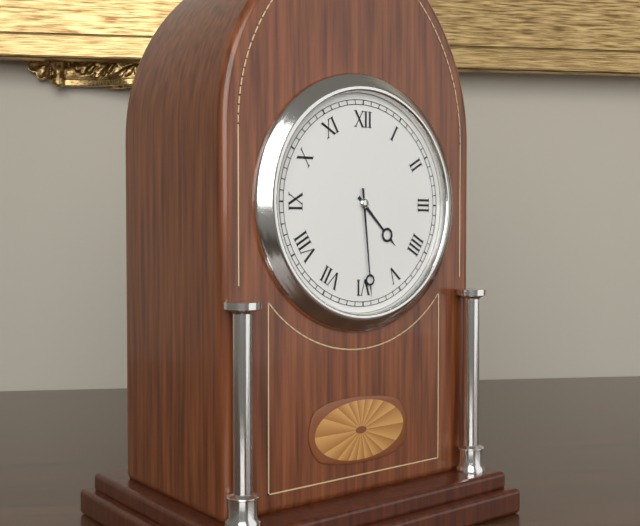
**4:29**
